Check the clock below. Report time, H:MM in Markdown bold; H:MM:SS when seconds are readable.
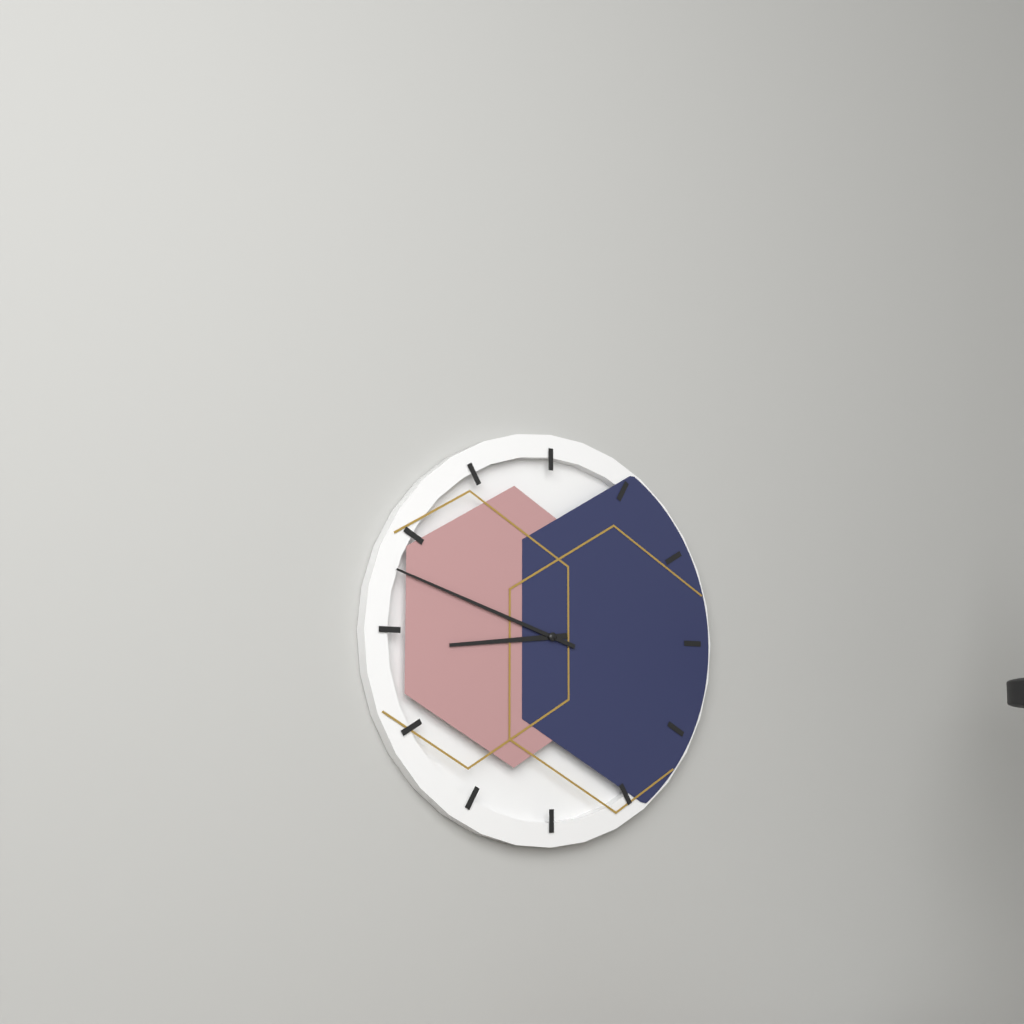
**8:48**
